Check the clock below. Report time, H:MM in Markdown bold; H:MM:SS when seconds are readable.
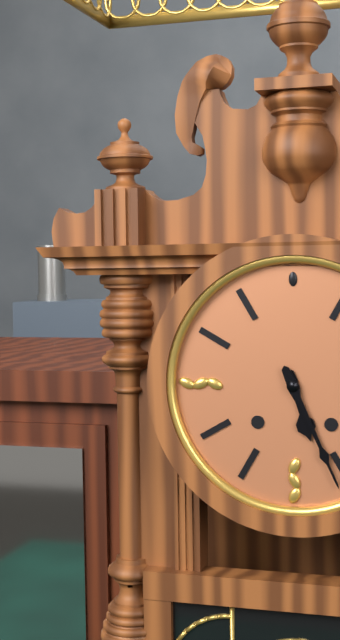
**5:26**
